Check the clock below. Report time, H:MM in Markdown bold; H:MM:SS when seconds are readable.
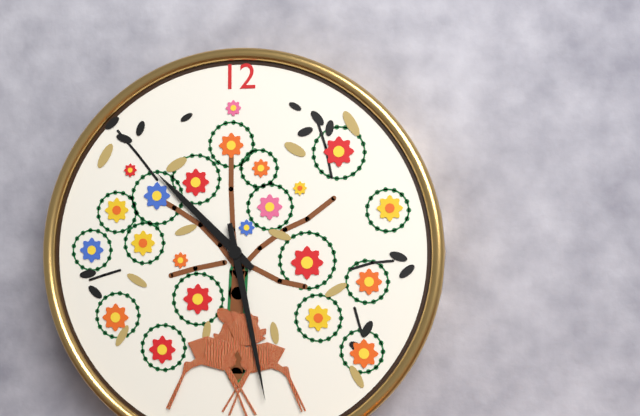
**10:28**
